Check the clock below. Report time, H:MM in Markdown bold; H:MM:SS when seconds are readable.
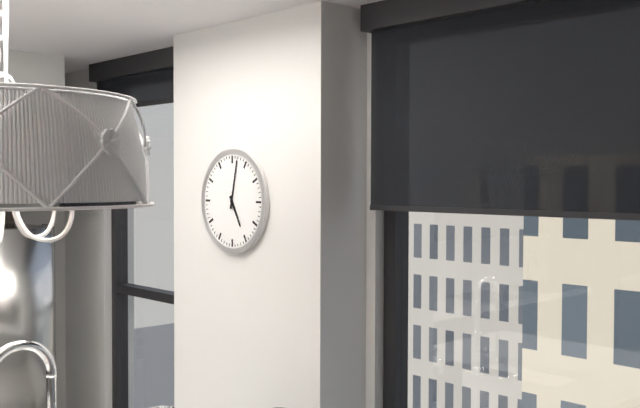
**5:02**
